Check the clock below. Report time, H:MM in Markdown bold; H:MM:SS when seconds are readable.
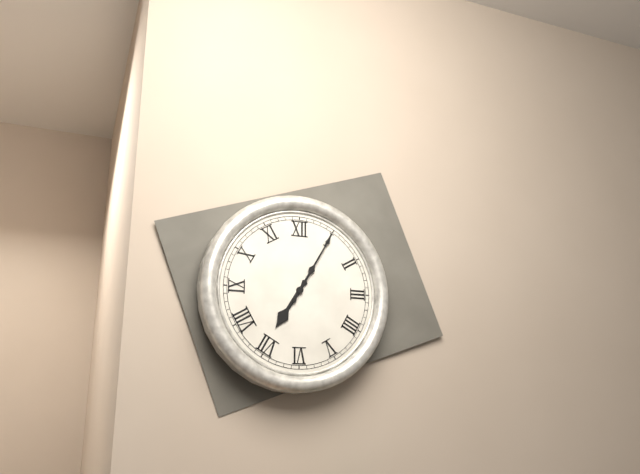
**7:05**
